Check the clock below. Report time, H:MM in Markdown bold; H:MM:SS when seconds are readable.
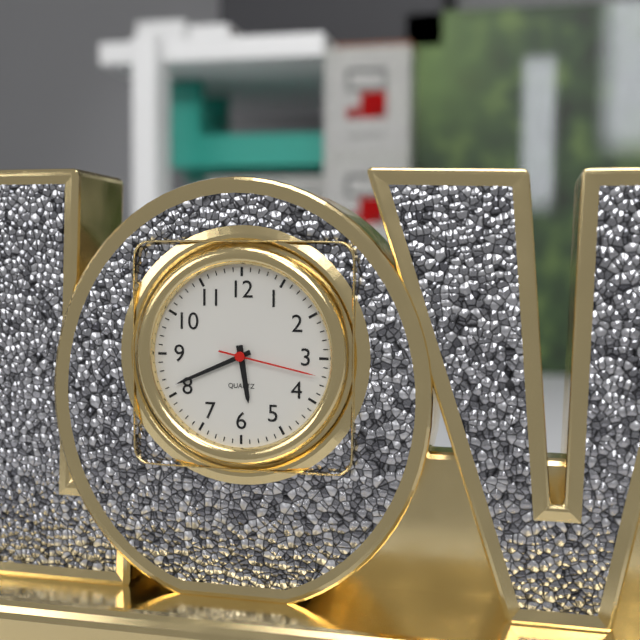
**5:41:17**
